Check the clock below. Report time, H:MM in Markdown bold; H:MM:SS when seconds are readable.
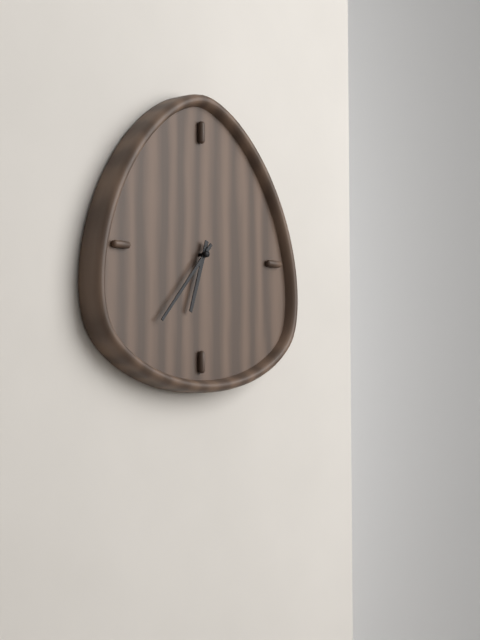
**6:37**
